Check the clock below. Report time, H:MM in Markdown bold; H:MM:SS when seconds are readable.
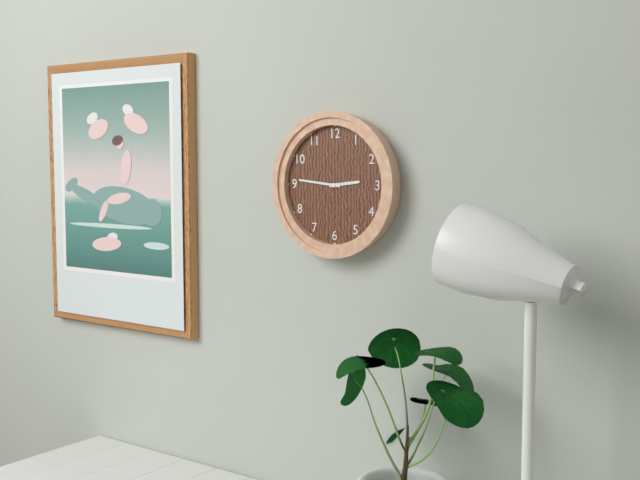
**2:46**
